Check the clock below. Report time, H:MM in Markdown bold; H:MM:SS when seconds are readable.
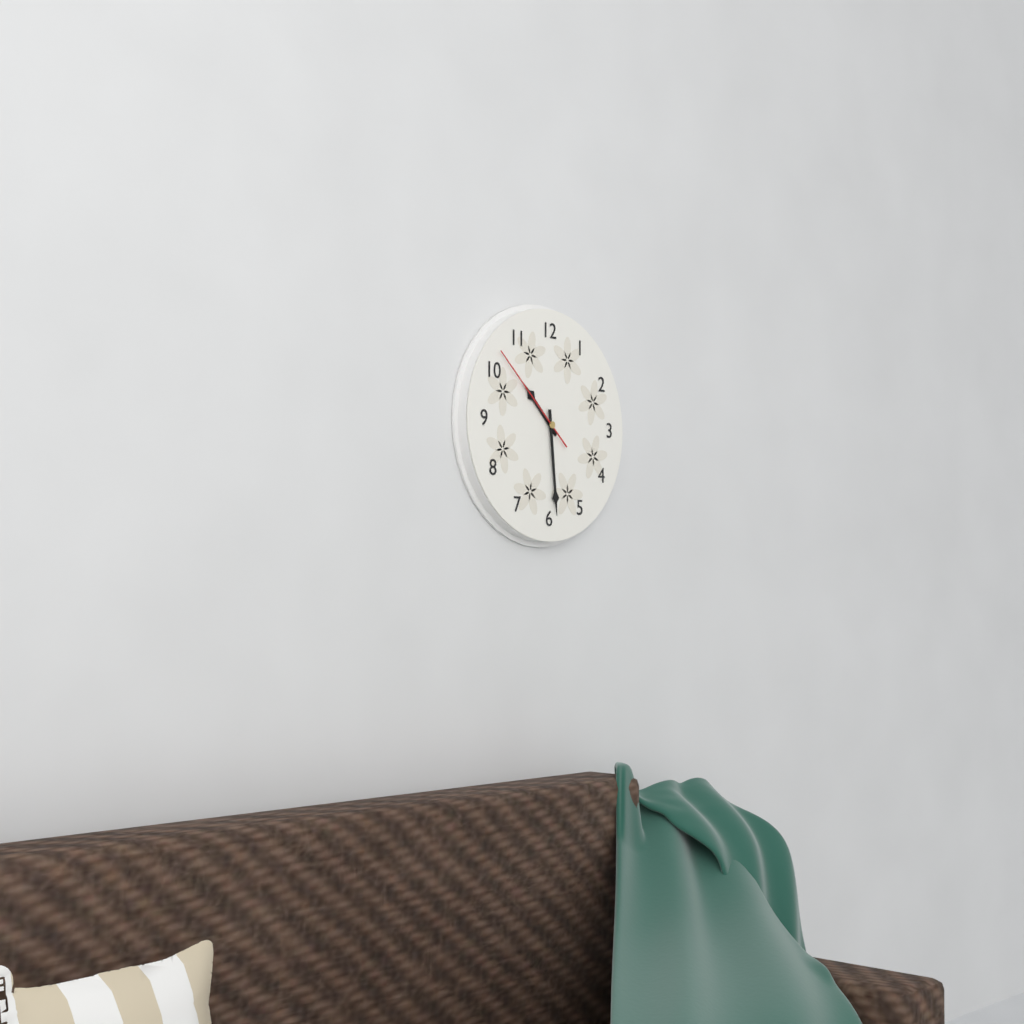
**10:29:52**
